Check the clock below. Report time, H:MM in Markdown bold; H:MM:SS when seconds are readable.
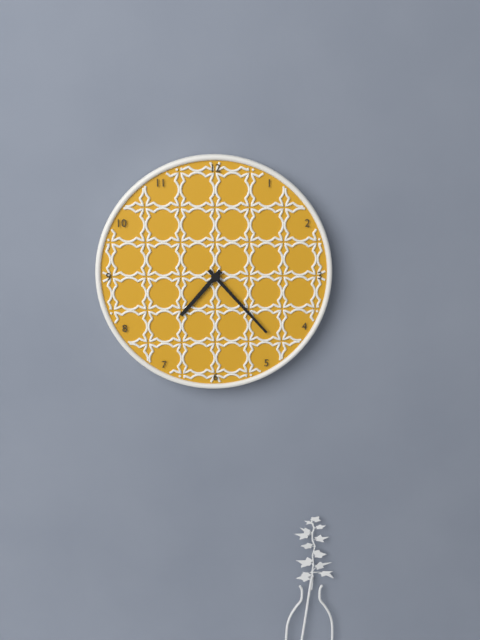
**7:23**
